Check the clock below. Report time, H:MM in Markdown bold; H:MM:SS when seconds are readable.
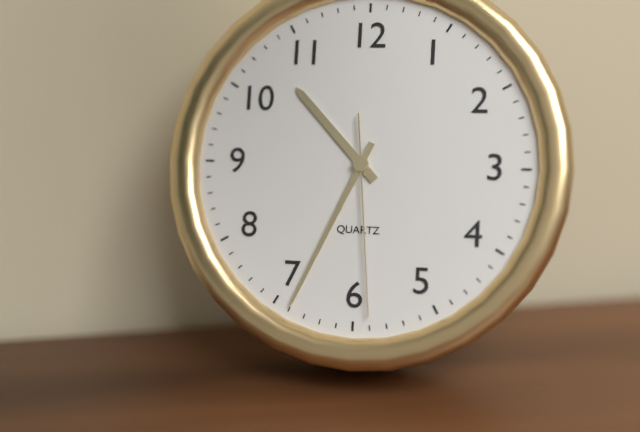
**10:34:29**
